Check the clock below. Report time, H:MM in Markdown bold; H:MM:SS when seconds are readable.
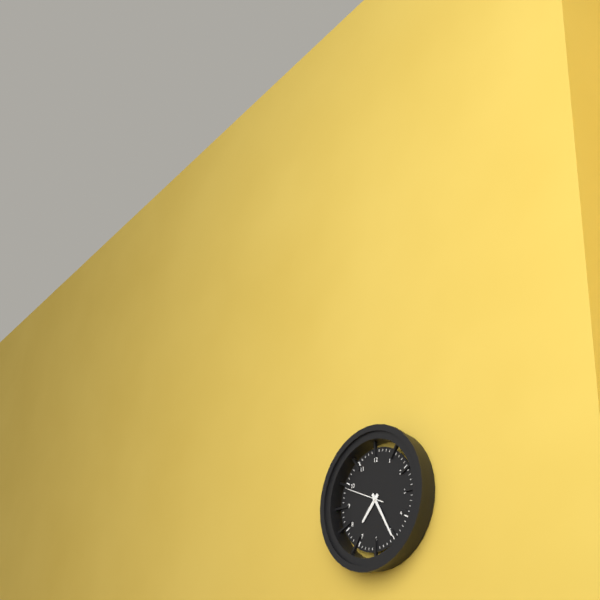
**7:25**
